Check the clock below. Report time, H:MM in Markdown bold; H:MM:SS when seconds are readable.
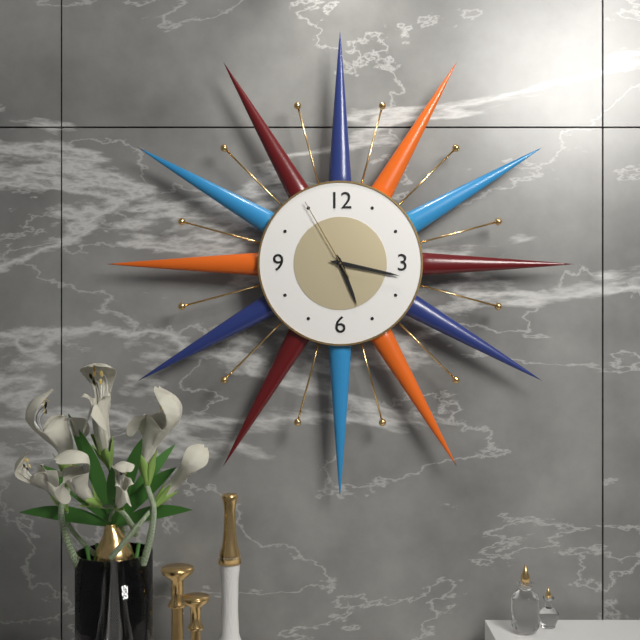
**5:17:55**
